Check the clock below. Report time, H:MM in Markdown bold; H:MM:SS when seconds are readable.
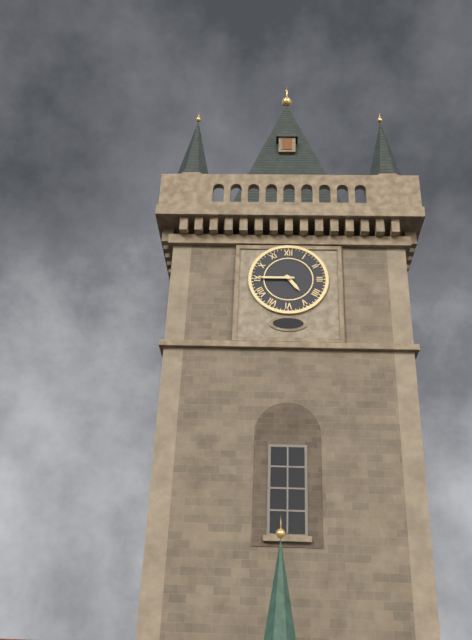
**4:45**
